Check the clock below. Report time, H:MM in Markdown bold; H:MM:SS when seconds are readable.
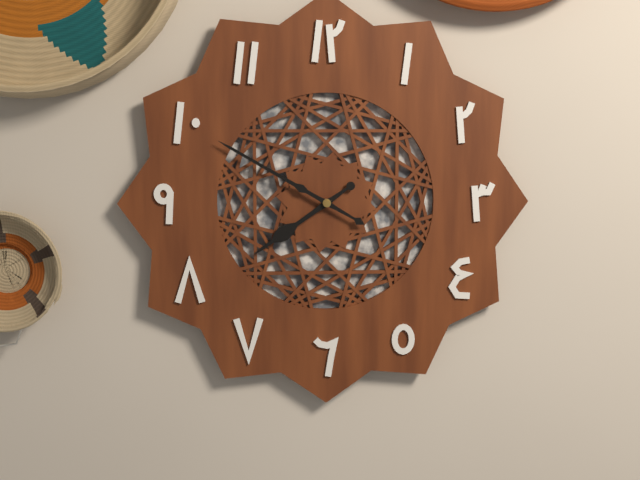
**7:50**
